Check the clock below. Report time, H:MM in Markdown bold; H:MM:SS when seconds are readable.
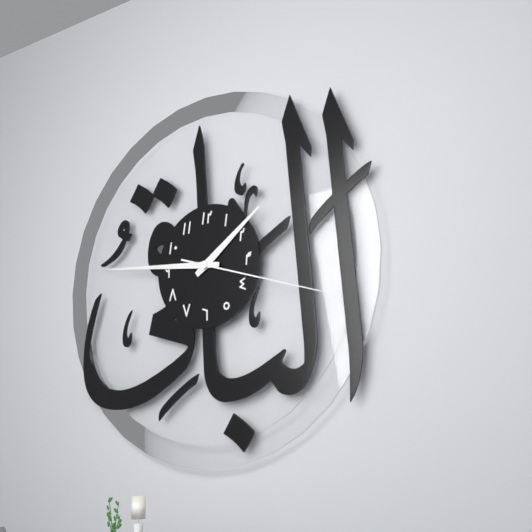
**1:46:18**
